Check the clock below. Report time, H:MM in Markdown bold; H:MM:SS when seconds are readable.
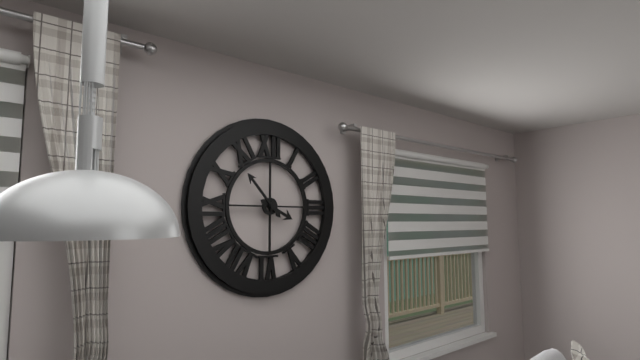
**3:53**
